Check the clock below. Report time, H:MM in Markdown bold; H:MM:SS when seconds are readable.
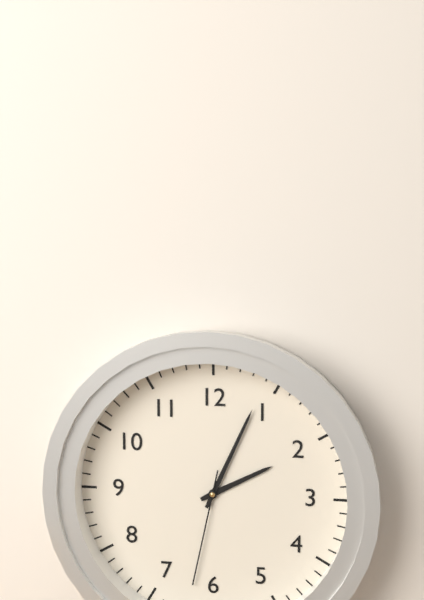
**2:04:32**
